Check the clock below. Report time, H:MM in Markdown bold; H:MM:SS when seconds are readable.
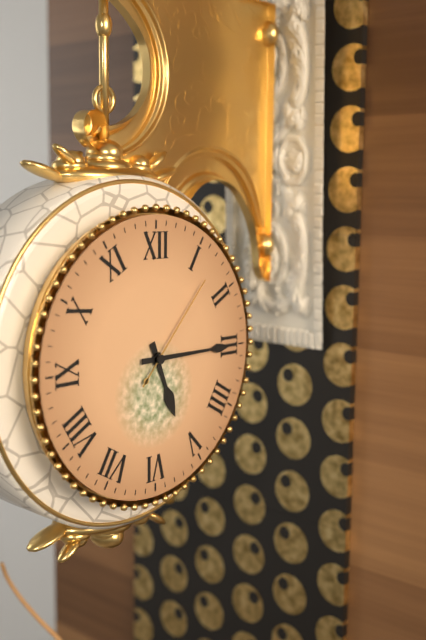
**5:15:07**
